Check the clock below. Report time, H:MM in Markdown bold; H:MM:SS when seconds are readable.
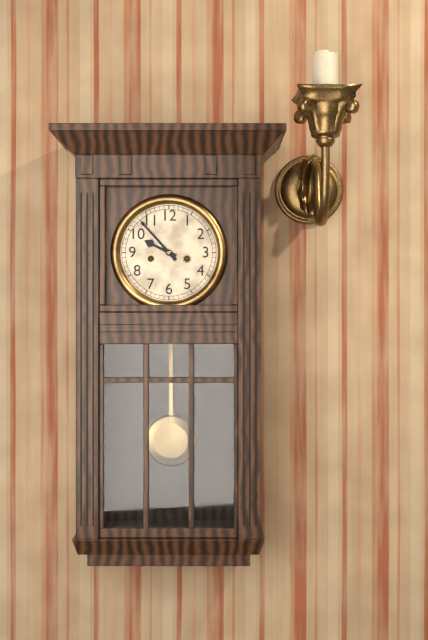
**9:53**
